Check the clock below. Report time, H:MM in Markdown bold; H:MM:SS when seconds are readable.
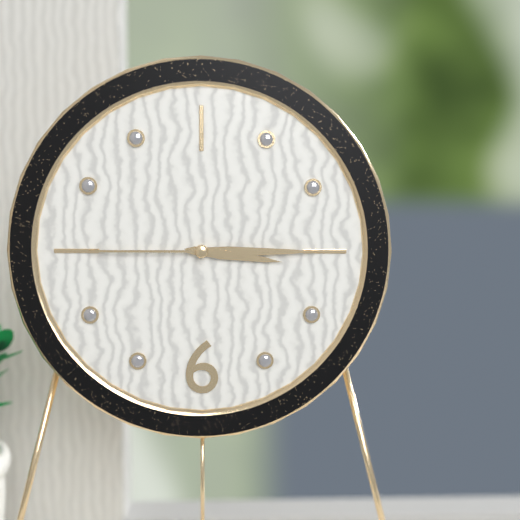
**3:15:45**
